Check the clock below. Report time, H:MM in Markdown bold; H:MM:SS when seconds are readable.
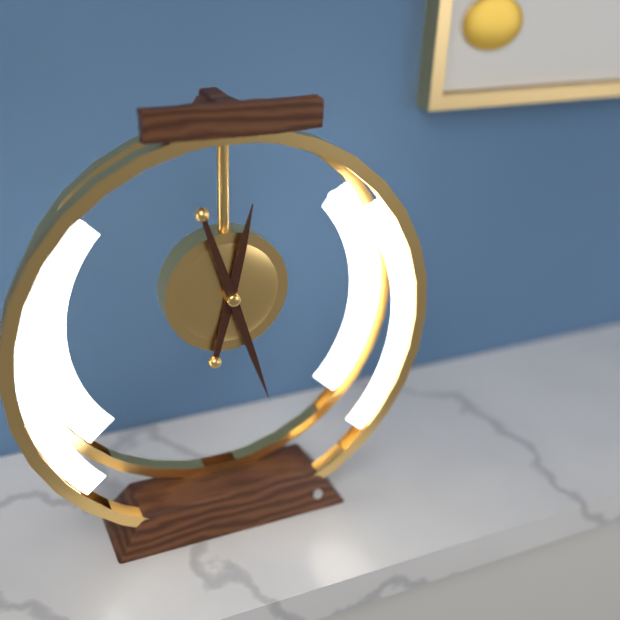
**12:27**
